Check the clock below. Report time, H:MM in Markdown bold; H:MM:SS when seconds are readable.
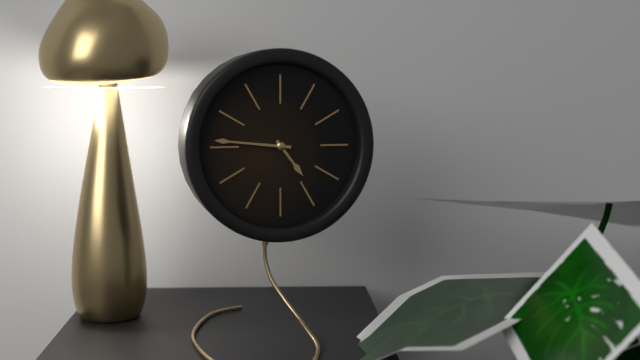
**4:46**
